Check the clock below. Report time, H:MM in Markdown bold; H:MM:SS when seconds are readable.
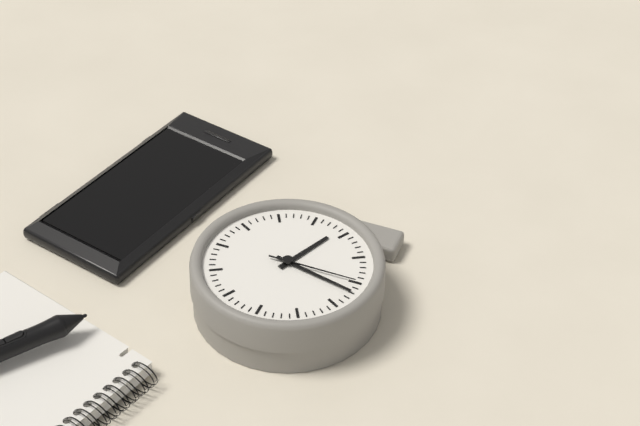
**6:47:45**
